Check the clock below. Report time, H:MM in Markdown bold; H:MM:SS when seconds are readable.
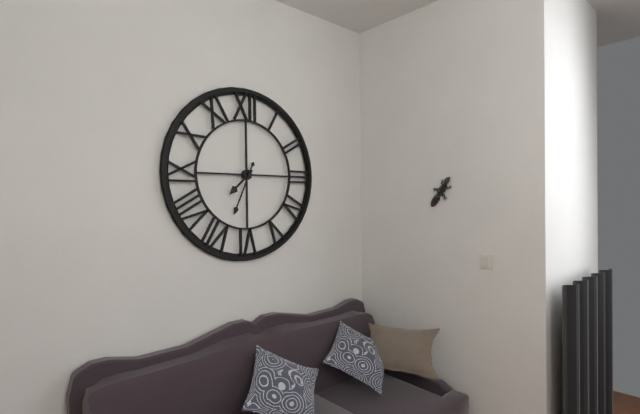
**7:34**
